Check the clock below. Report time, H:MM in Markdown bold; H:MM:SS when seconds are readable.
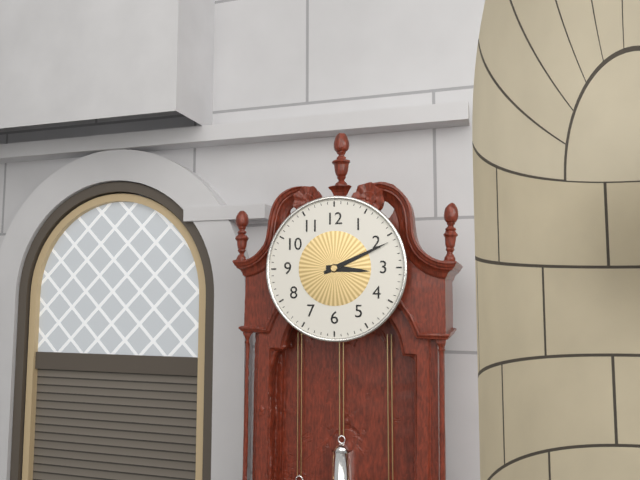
**3:11**
